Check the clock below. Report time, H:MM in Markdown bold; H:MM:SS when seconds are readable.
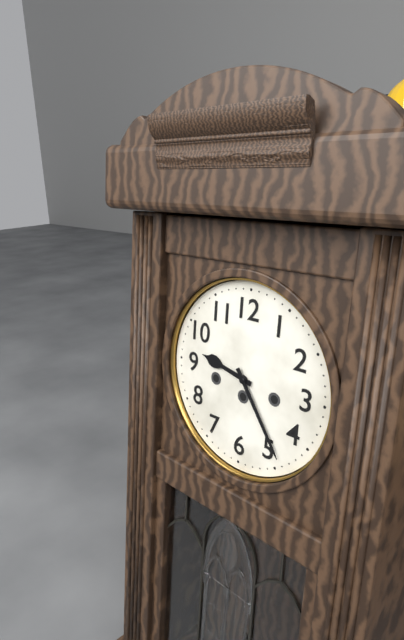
**9:24**
